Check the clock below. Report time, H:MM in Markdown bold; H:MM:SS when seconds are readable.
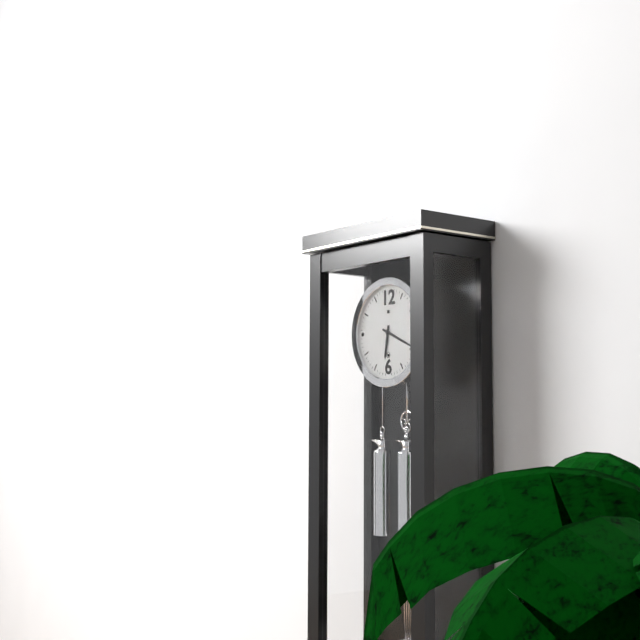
**6:19**
